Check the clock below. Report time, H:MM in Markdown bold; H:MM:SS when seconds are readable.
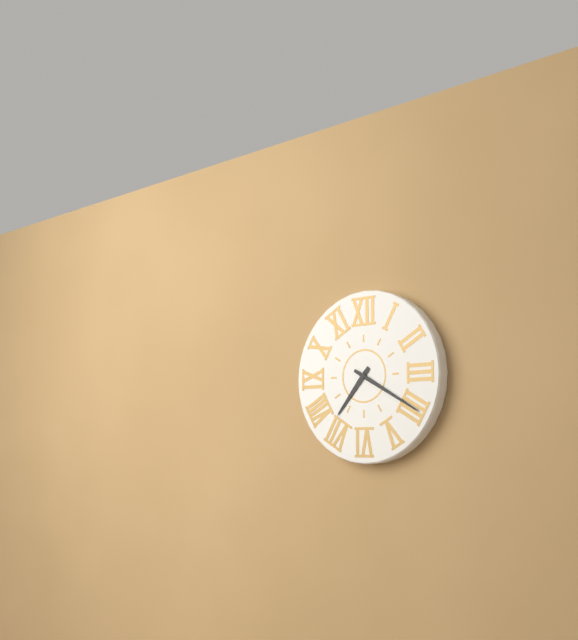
**7:20**
